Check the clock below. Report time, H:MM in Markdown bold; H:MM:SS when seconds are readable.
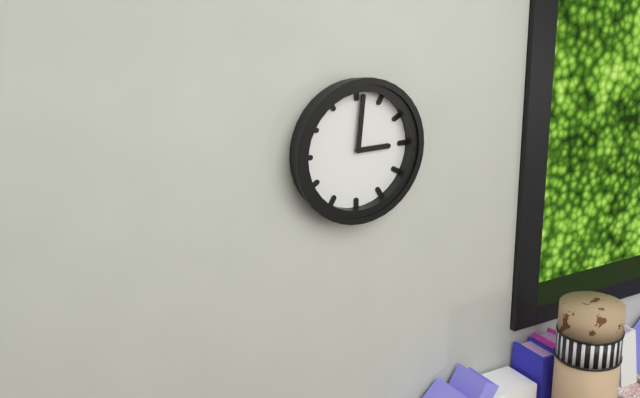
**3:01**
